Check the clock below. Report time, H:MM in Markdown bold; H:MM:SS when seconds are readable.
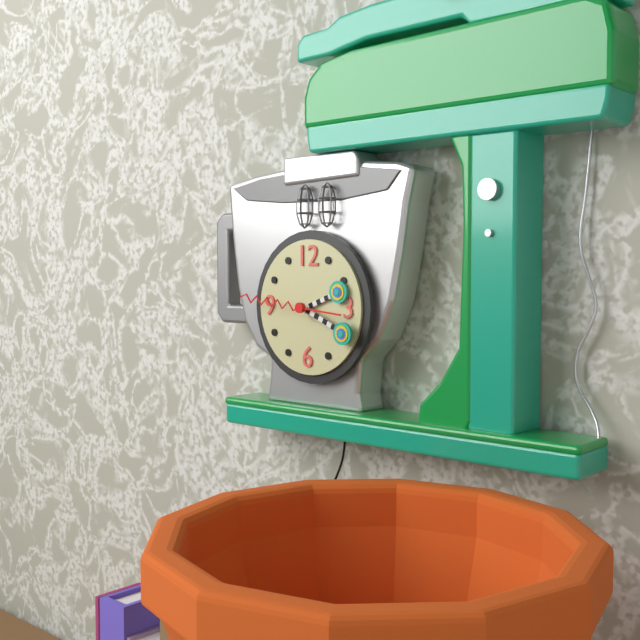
**2:19:46**
